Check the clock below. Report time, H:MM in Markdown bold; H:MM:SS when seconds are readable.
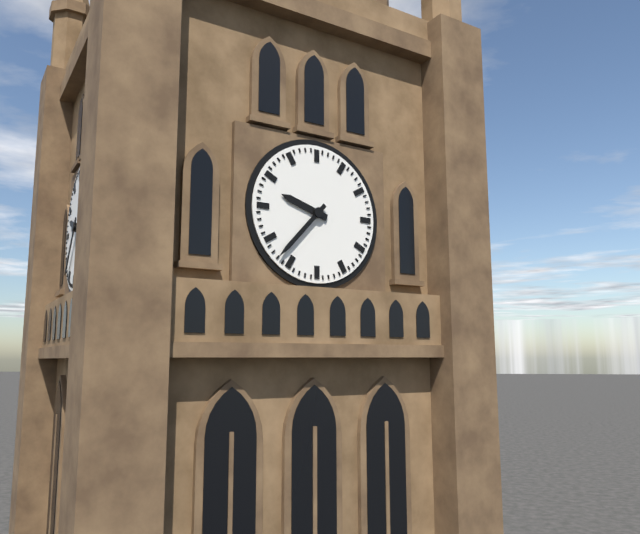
**9:37**
